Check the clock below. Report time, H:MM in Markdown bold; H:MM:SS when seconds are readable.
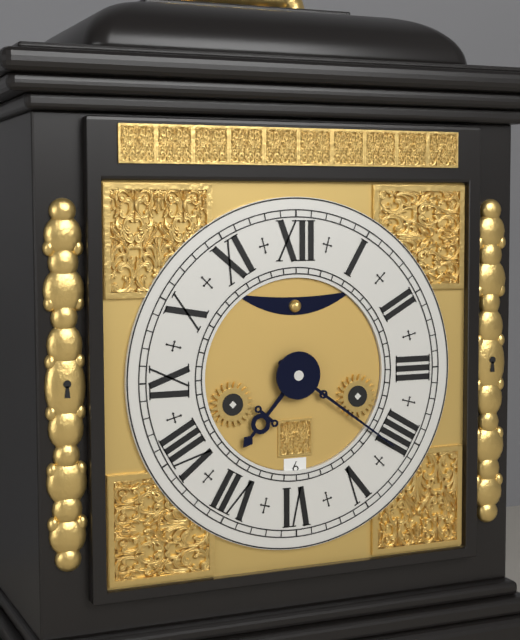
**7:21**
